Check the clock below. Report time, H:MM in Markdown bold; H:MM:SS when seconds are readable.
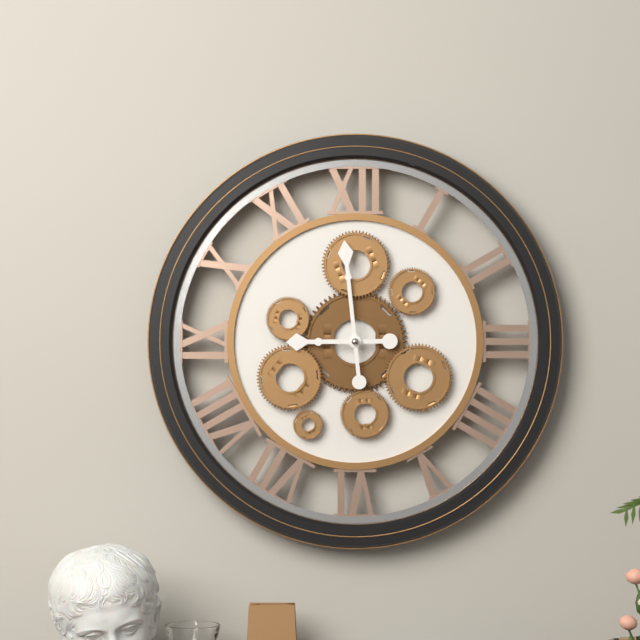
**8:59**
